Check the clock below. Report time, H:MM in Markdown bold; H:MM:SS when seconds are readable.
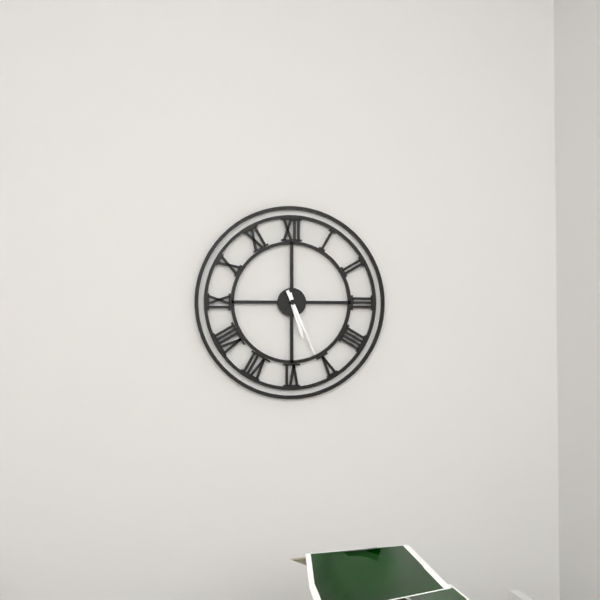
**5:26**
